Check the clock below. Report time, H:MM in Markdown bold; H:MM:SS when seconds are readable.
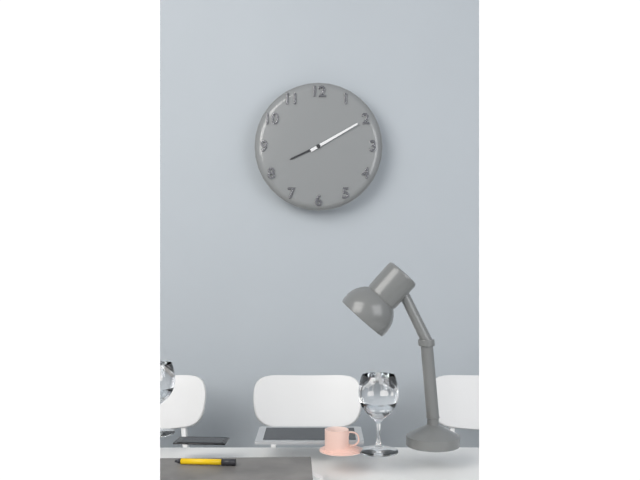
**8:10**
